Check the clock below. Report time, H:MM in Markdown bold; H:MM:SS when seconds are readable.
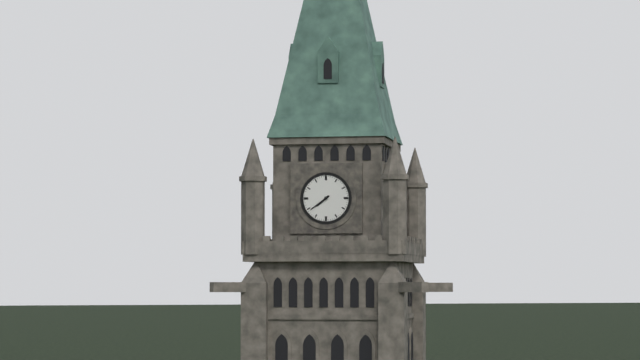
**7:39**
